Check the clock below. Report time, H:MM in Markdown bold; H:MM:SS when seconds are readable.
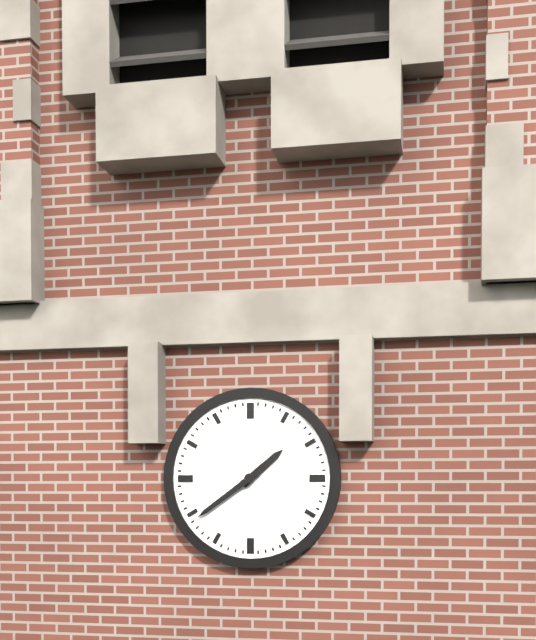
**1:39**
